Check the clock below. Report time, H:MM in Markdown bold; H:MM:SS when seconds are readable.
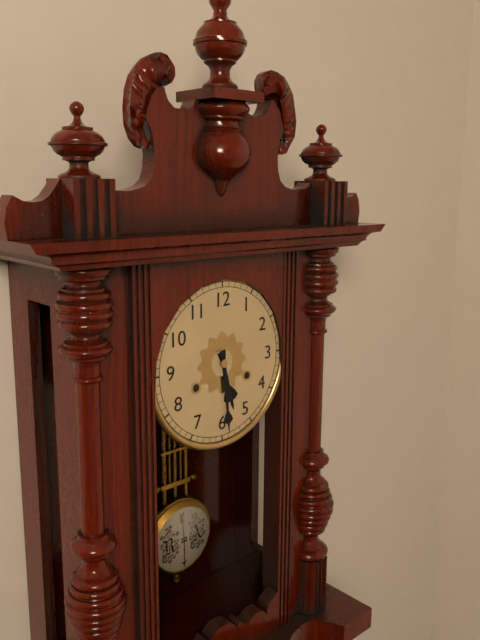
**5:29**
